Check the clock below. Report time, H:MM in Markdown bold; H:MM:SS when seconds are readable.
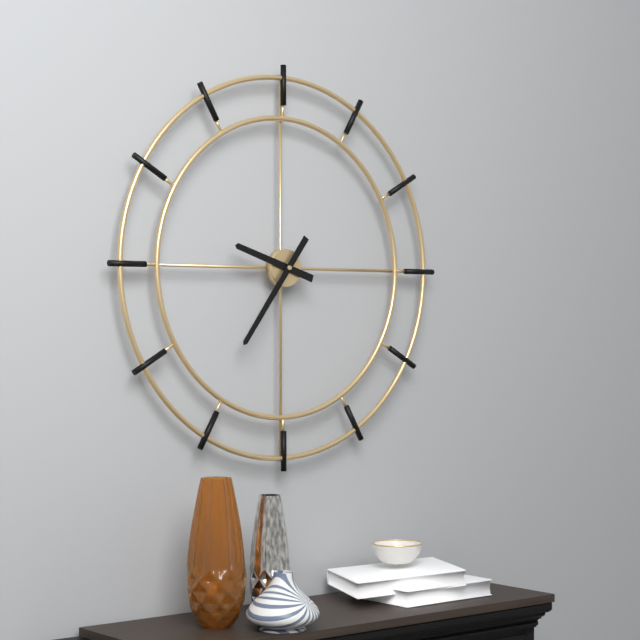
**9:36**
